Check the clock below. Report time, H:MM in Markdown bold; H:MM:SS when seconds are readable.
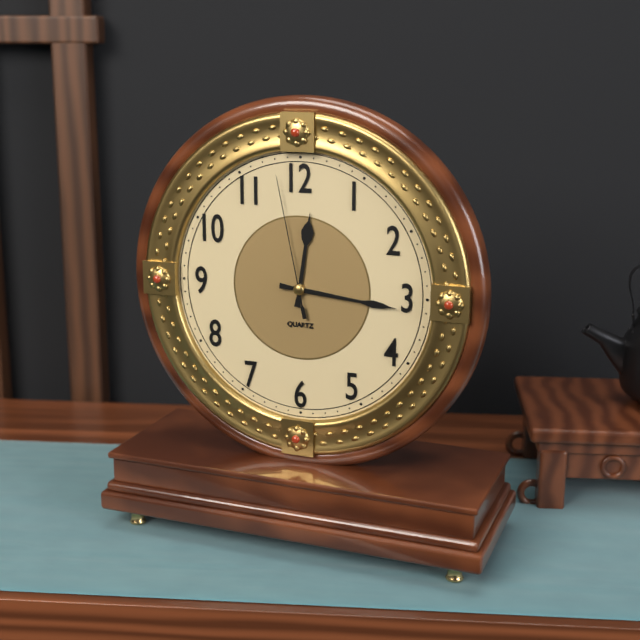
**12:16:58**
